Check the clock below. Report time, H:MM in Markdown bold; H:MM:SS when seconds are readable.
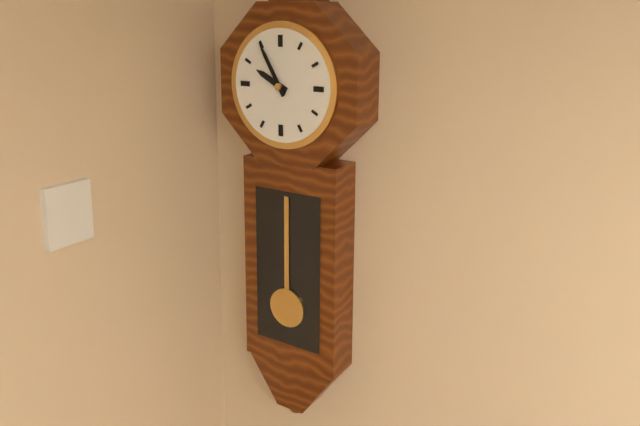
**9:55**
